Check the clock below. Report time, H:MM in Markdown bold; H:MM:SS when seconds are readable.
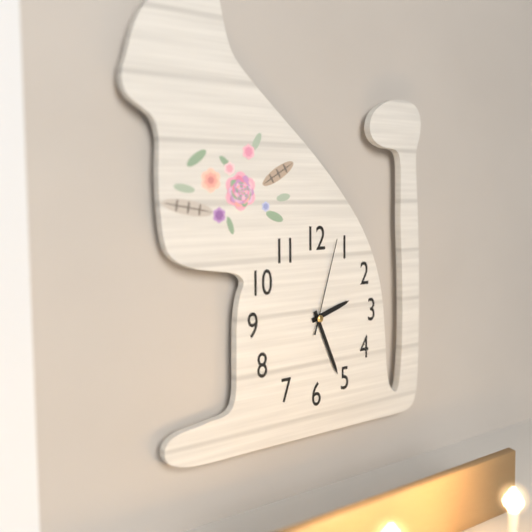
**2:26:03**
